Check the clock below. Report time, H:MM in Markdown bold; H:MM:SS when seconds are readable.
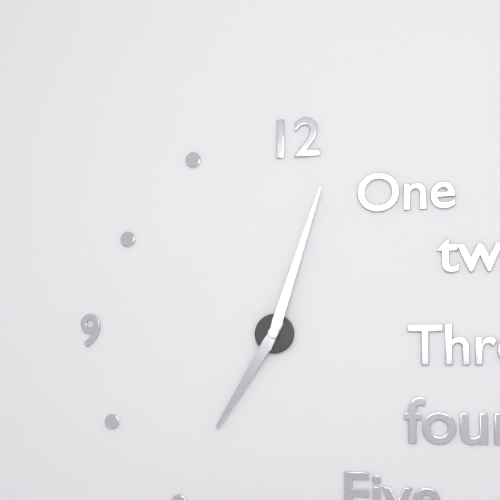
**7:03**
